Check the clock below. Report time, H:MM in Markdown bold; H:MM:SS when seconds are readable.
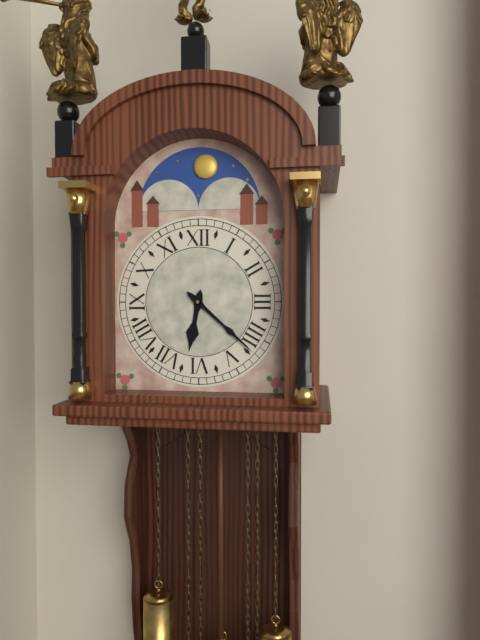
**6:22**
